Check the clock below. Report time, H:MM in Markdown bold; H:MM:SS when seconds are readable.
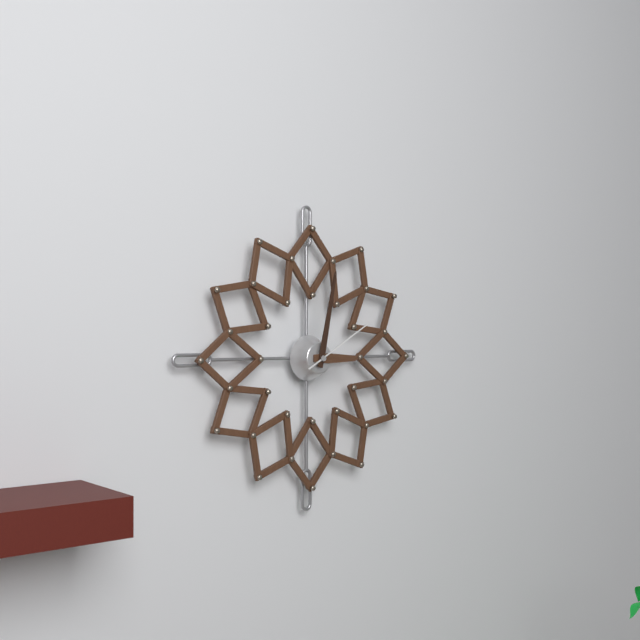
**3:02:10**
